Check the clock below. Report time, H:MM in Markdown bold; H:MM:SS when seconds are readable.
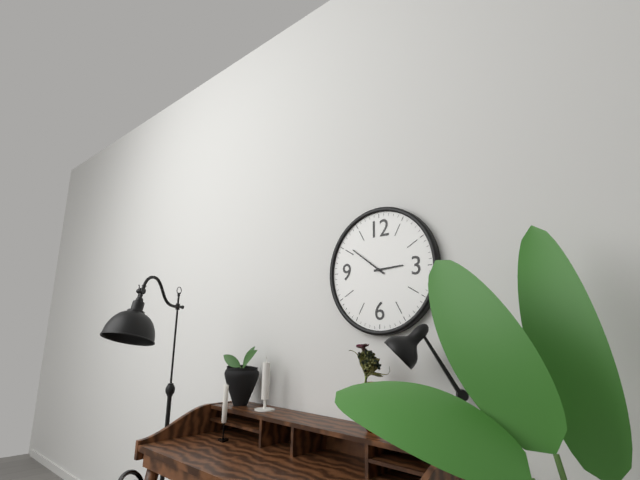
**2:51**
